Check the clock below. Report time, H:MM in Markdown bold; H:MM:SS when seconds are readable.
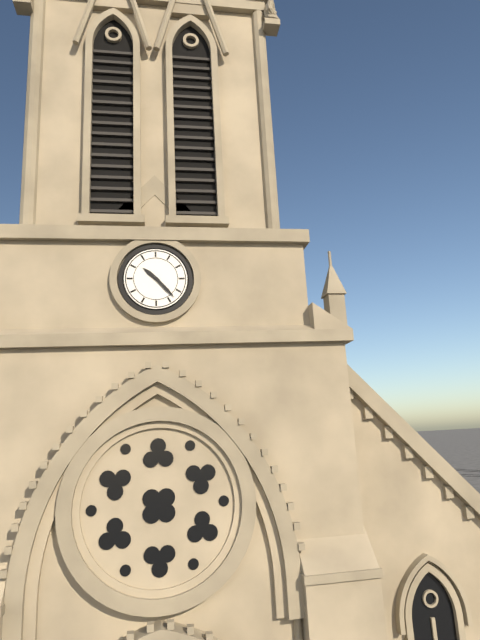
**10:23**
